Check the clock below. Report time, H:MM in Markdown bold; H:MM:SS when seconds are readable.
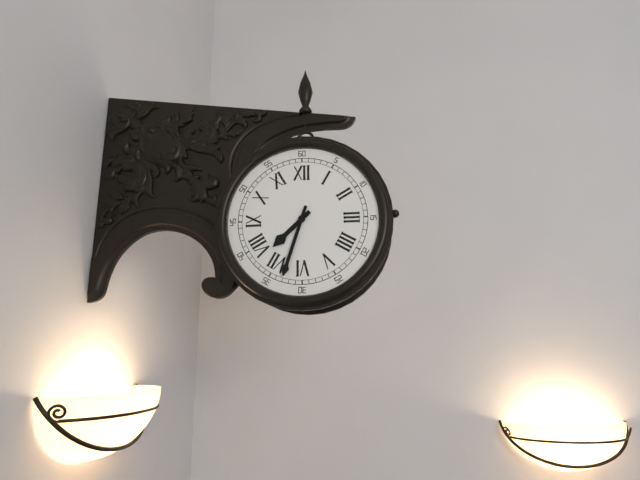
**7:33**
